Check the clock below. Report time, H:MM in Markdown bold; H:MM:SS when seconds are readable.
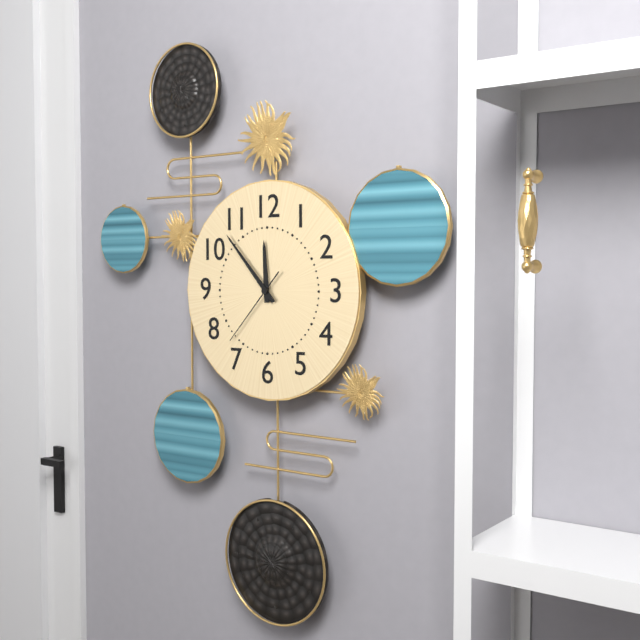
**11:53:37**
